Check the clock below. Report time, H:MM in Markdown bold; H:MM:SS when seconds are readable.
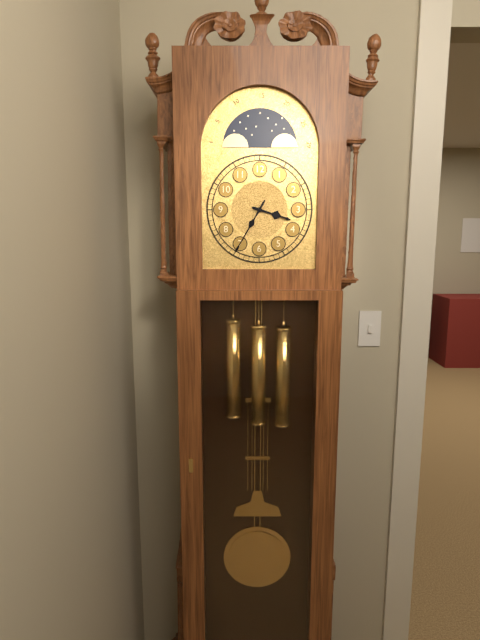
**3:35**
